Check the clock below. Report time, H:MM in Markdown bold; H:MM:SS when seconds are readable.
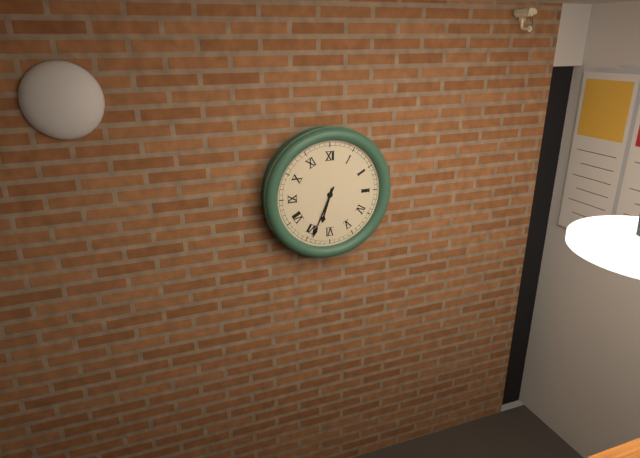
**6:34**
